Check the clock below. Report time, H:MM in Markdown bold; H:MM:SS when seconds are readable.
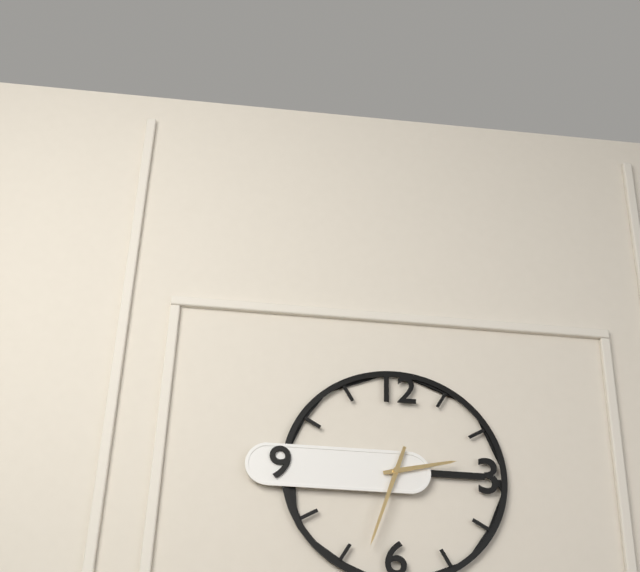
**2:33**
